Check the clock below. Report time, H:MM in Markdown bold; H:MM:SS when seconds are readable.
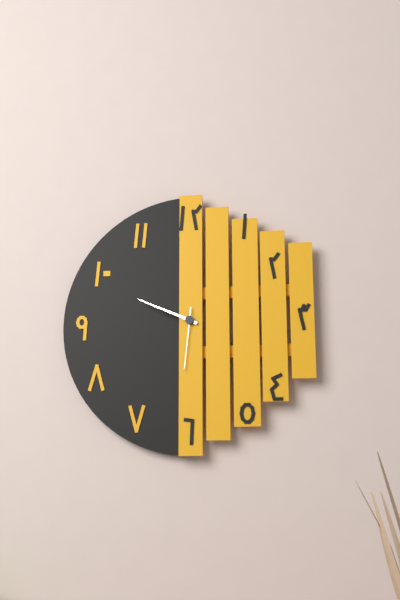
**9:49:31**
